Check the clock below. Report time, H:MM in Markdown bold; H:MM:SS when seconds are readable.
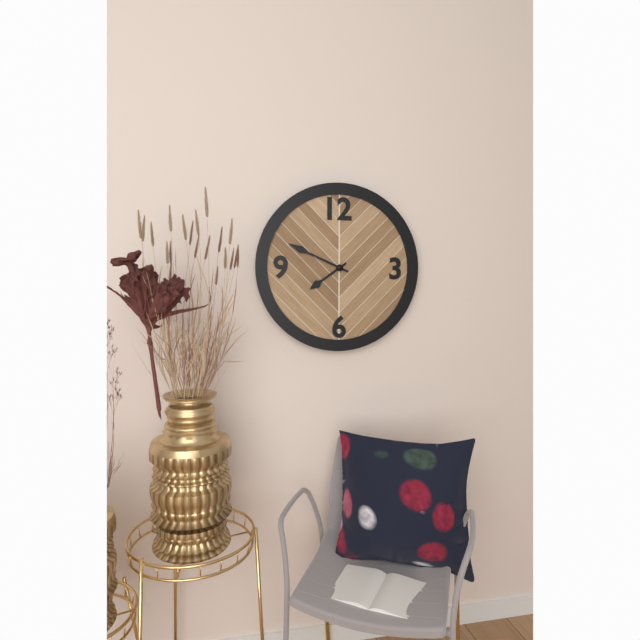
**7:49**
